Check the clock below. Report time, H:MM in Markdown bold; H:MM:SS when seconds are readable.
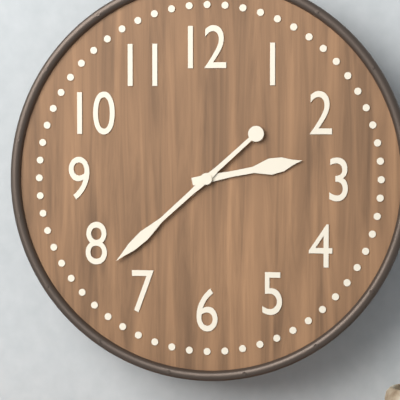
**2:38**
